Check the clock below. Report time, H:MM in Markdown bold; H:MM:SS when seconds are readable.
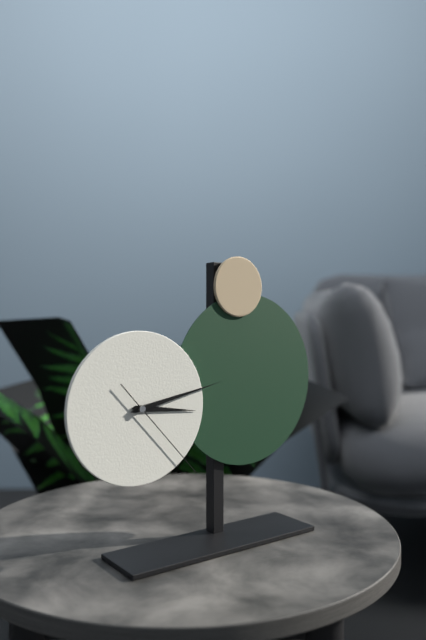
**3:13:23**
